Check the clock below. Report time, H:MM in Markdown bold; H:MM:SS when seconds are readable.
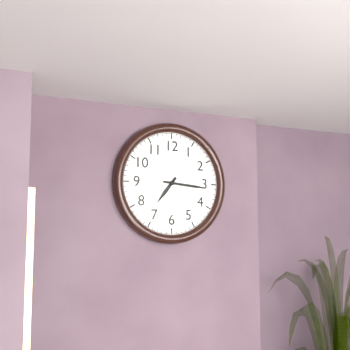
**7:16**
